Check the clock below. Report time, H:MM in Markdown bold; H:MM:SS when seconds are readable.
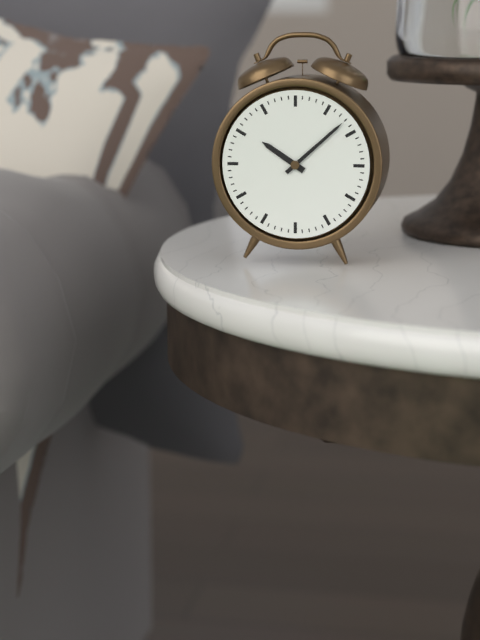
**10:08**
